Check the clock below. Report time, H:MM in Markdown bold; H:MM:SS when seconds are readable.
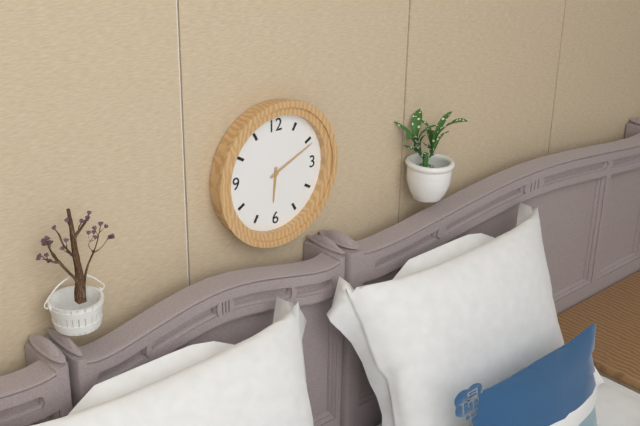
**6:11**
